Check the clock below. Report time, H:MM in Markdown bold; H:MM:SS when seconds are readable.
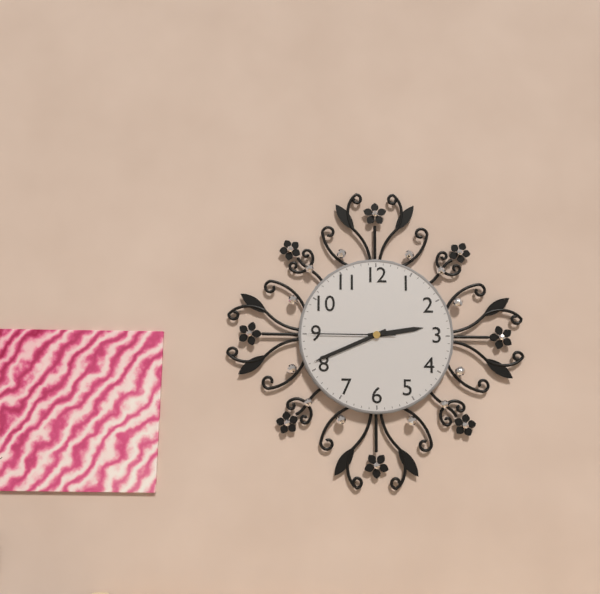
**2:41:45**
